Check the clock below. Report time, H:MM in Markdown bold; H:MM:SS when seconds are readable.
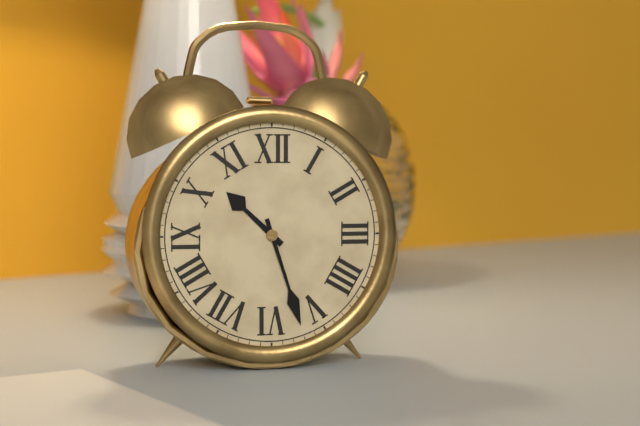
**10:27**
